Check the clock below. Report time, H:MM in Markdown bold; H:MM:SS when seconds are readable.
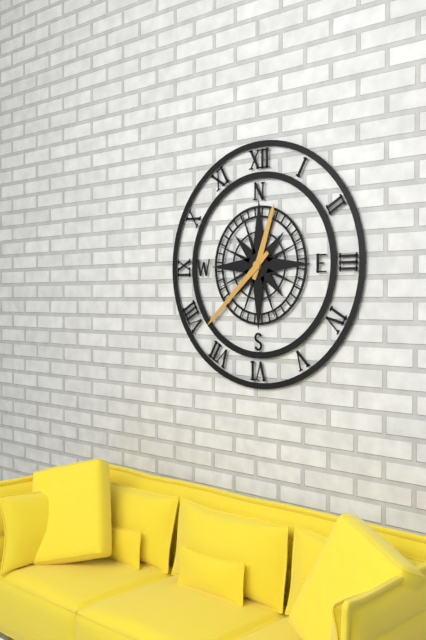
**12:38**
